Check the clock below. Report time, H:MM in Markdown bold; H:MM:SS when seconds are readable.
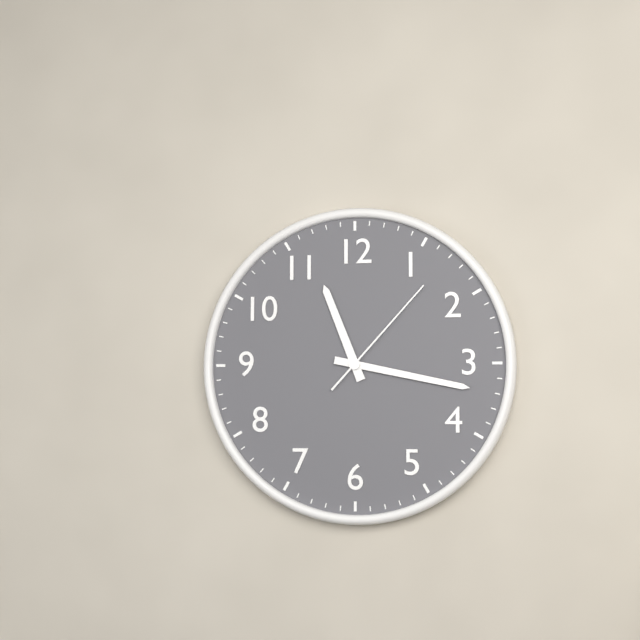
**11:17:07**
